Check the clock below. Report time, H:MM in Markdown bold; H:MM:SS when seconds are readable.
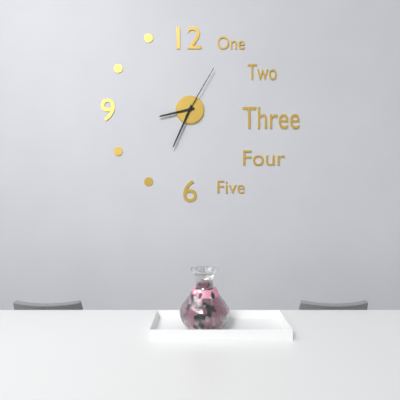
**8:34:05**
